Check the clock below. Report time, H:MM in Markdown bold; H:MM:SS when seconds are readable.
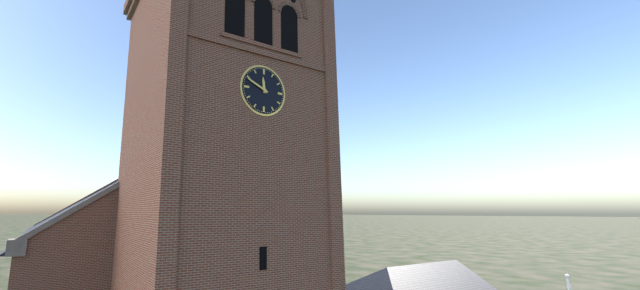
**11:49**
